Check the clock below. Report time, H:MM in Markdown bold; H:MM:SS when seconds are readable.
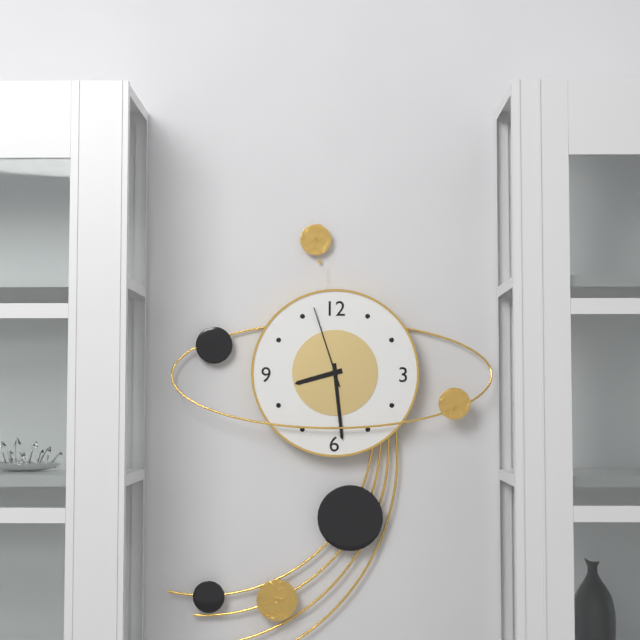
**8:29:57**
